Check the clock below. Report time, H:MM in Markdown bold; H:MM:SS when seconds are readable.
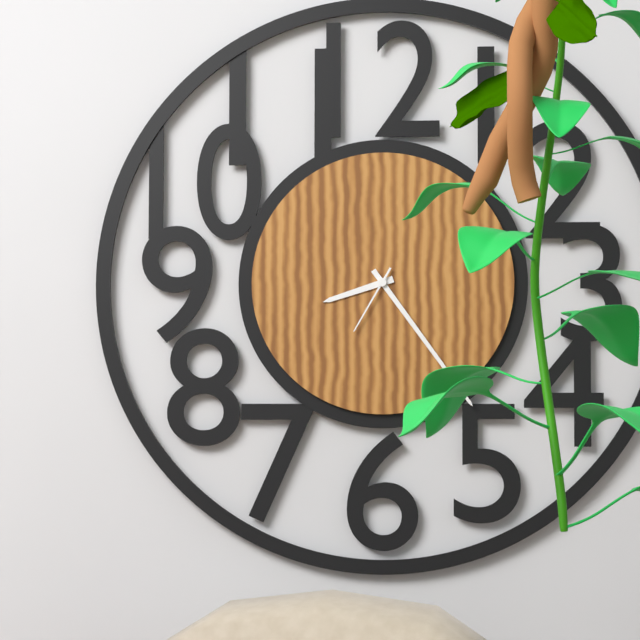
**8:24:35**
